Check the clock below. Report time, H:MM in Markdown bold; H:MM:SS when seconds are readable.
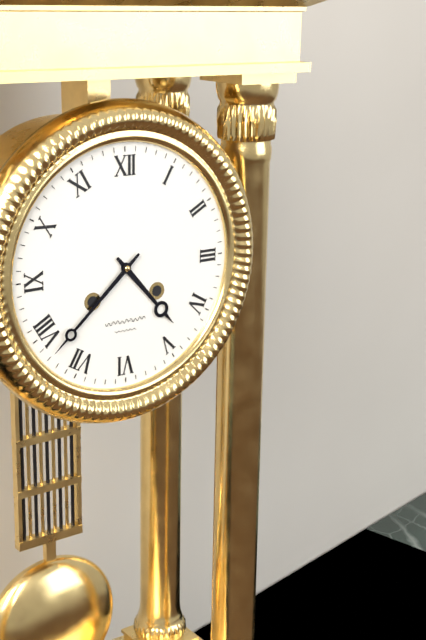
**4:38**
